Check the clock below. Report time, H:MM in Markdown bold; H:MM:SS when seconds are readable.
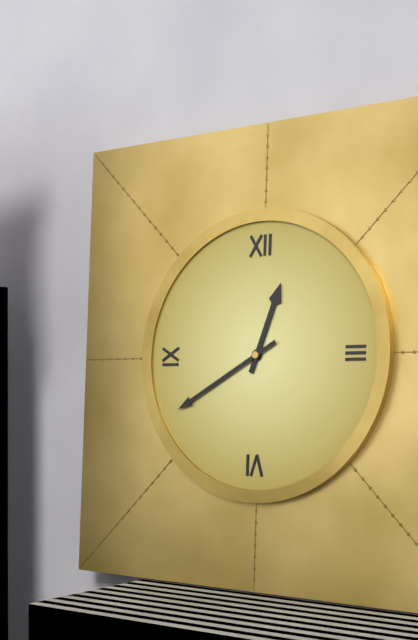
**12:40**
